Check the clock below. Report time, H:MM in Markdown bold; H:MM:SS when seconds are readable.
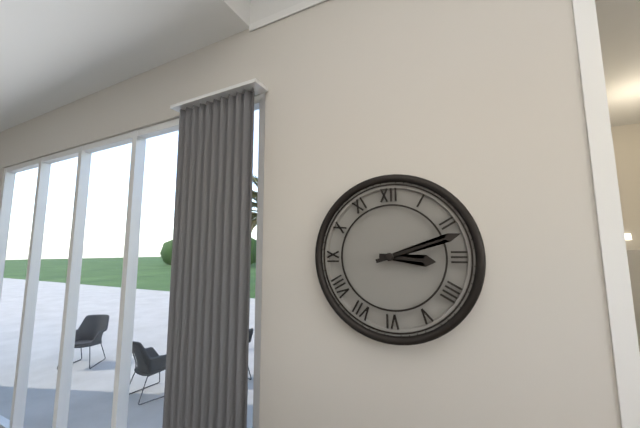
**3:12**
